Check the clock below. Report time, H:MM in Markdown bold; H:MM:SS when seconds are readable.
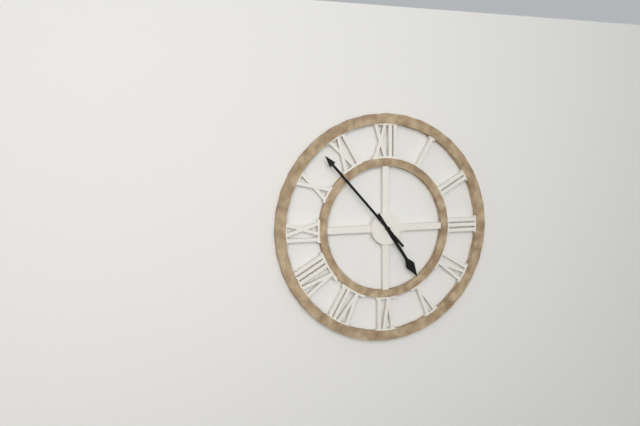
**4:53**
